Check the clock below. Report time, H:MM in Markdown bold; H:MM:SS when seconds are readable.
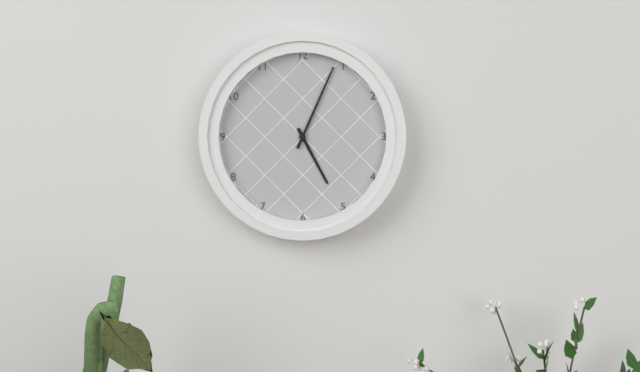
**5:04**
